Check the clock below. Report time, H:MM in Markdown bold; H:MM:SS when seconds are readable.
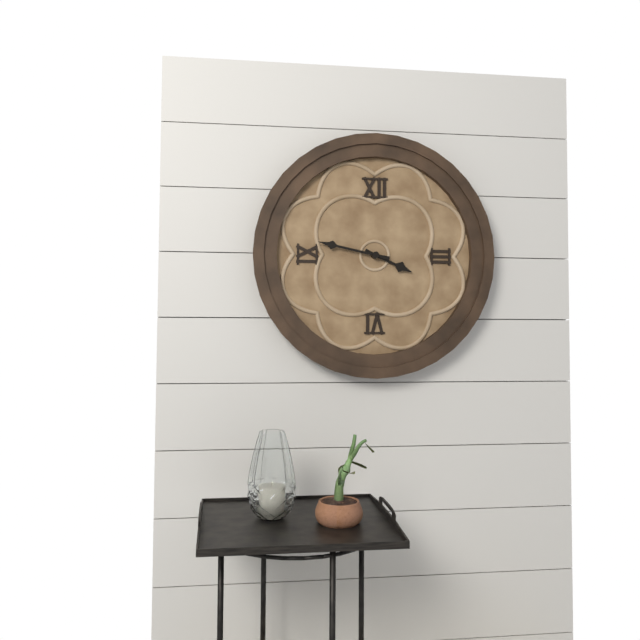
**3:47**
